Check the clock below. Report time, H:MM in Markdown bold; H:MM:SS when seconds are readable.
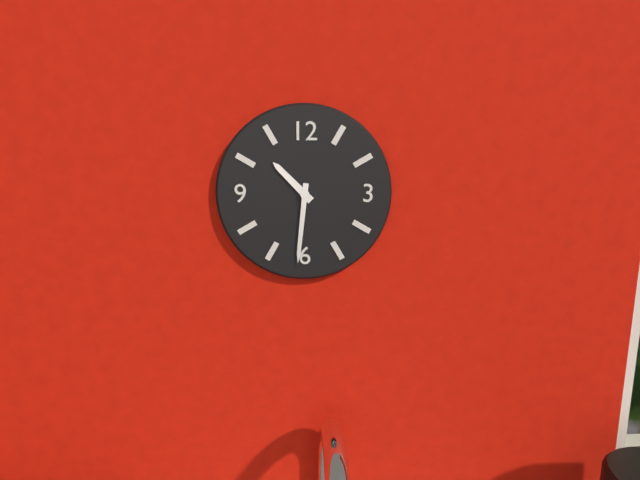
**10:31**
